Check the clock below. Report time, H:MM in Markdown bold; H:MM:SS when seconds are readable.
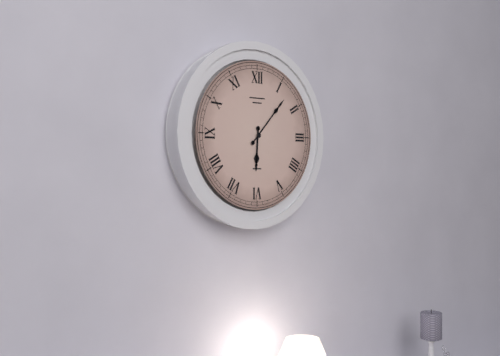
**6:07**
